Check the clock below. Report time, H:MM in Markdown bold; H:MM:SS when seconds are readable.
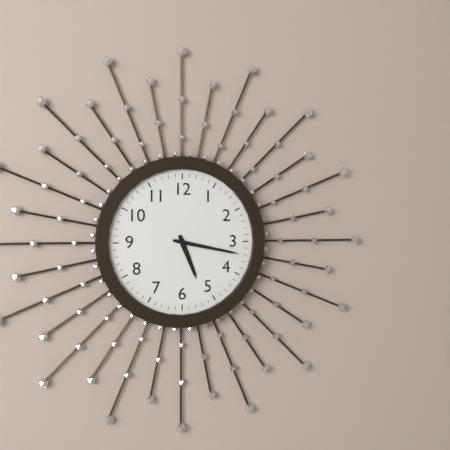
**5:17**
